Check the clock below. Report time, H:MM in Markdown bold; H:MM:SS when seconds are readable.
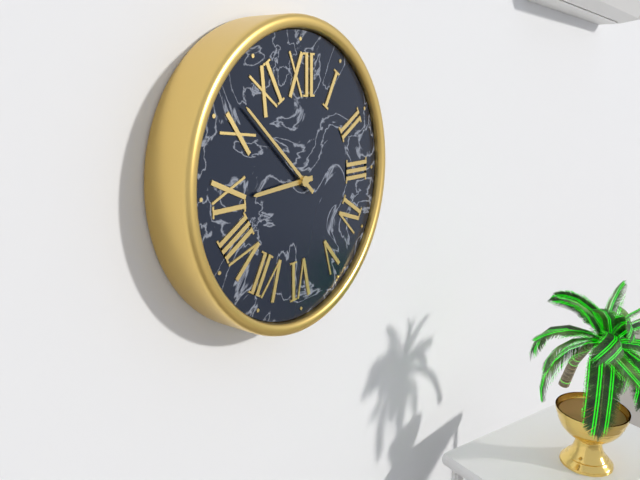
**8:52**
